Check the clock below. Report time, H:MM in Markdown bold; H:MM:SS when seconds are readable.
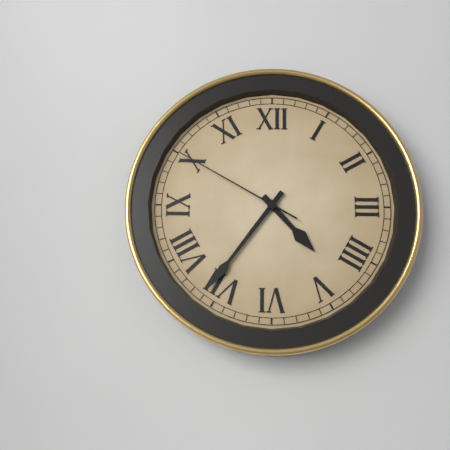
**4:36:50**
